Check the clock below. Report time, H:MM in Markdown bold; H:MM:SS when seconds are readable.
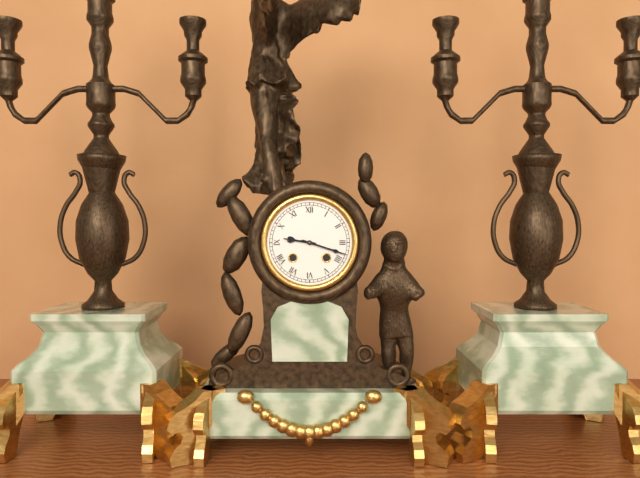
**9:18**
